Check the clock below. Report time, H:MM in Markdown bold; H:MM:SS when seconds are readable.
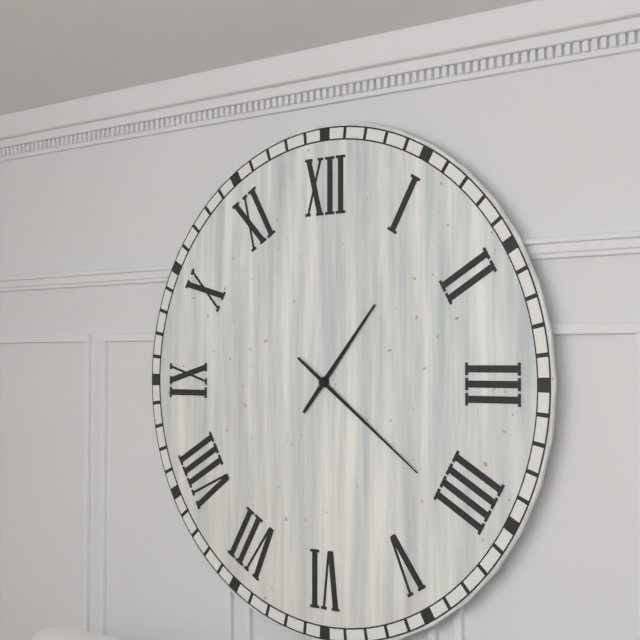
**1:21**
